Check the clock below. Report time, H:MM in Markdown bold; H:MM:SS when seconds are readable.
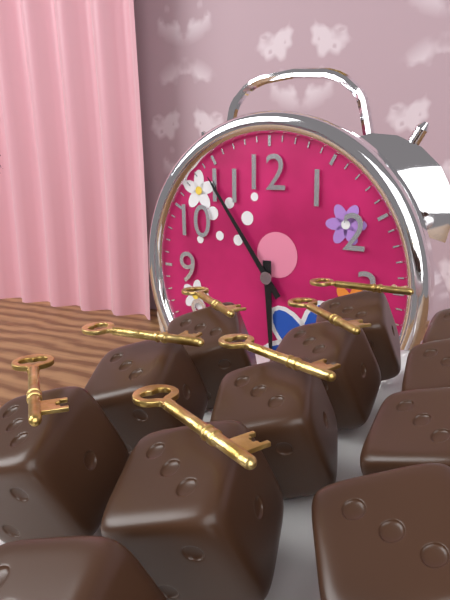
**5:54**
